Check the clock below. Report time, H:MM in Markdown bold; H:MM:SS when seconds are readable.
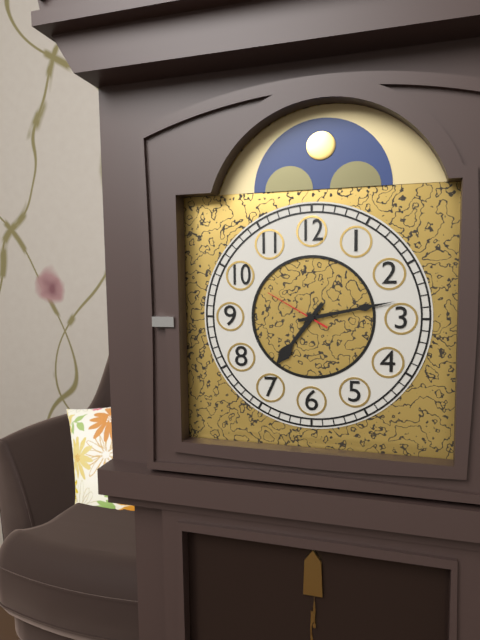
**7:13:50**
